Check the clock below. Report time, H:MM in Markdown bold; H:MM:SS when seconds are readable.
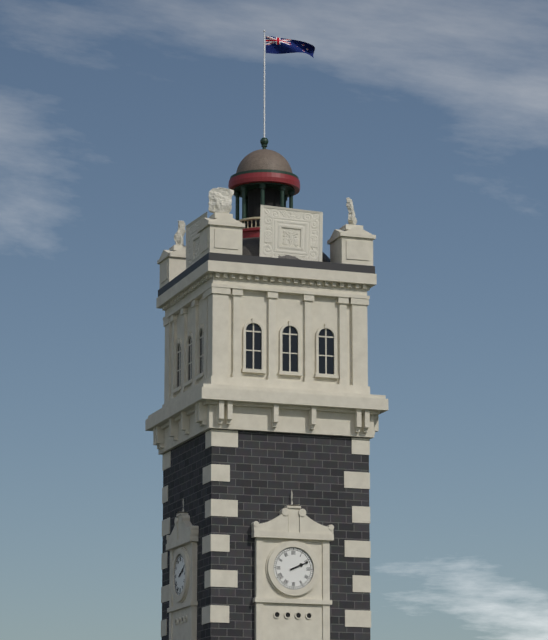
**2:11**
